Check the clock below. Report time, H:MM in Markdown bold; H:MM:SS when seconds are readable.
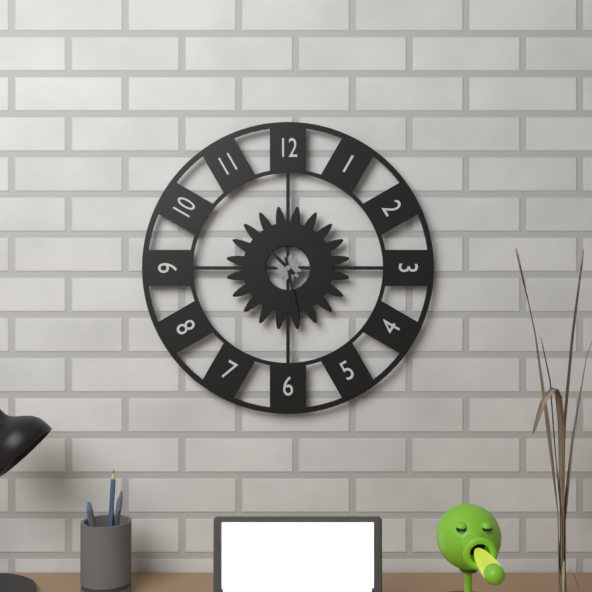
**10:28**
